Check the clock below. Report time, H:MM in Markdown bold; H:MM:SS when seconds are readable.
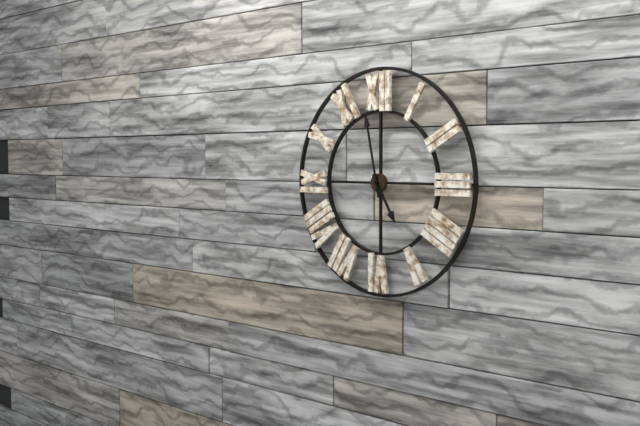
**4:58**
